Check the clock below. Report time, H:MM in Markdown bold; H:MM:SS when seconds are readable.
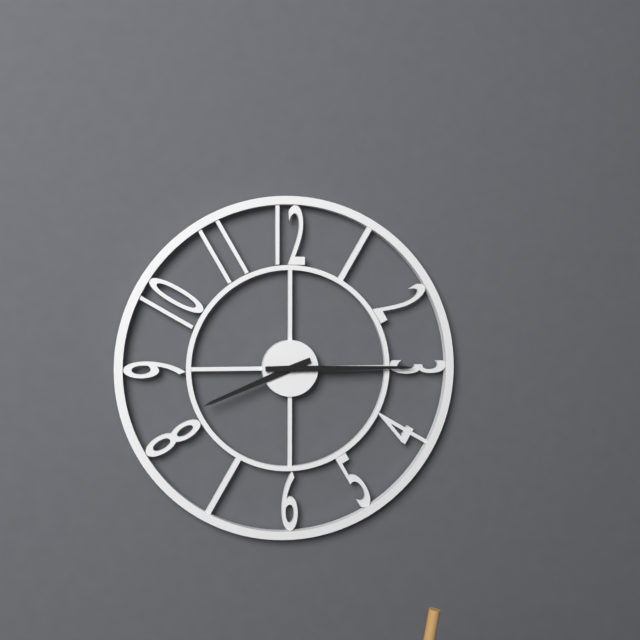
**8:15**
